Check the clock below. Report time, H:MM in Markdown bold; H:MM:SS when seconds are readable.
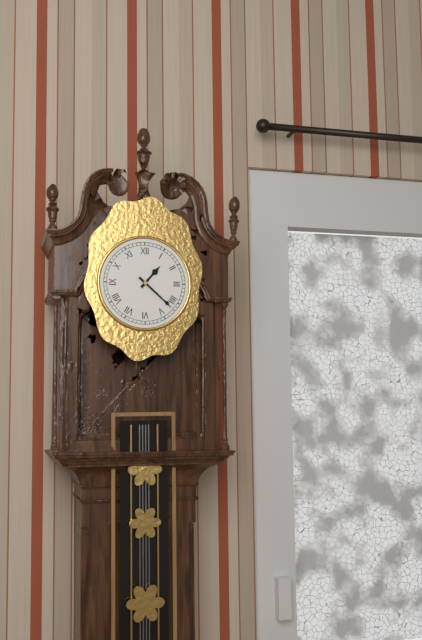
**1:22**
